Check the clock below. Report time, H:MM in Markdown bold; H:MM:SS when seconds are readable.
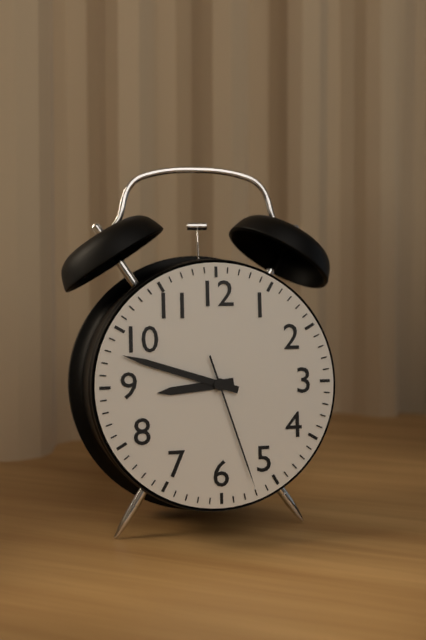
**8:48:27**
